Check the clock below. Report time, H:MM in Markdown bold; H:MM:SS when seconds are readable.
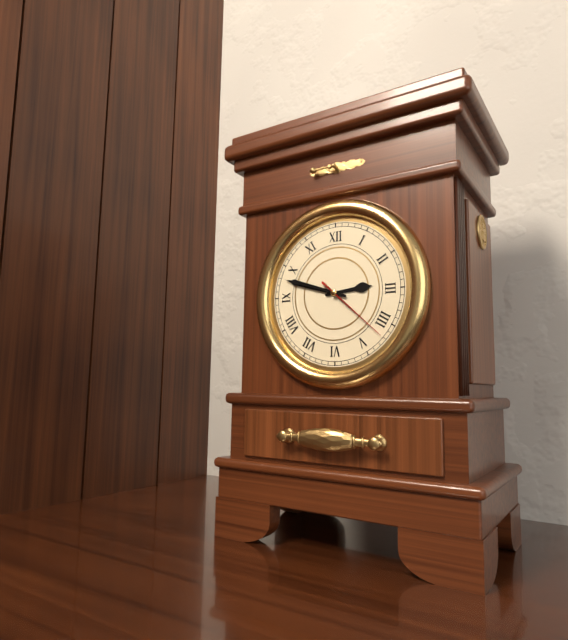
**2:48:22**
